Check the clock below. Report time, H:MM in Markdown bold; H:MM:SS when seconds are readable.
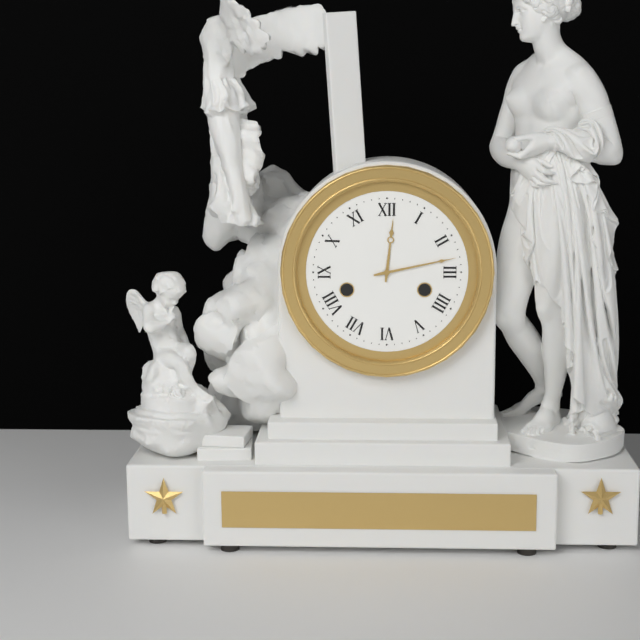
**12:13**
